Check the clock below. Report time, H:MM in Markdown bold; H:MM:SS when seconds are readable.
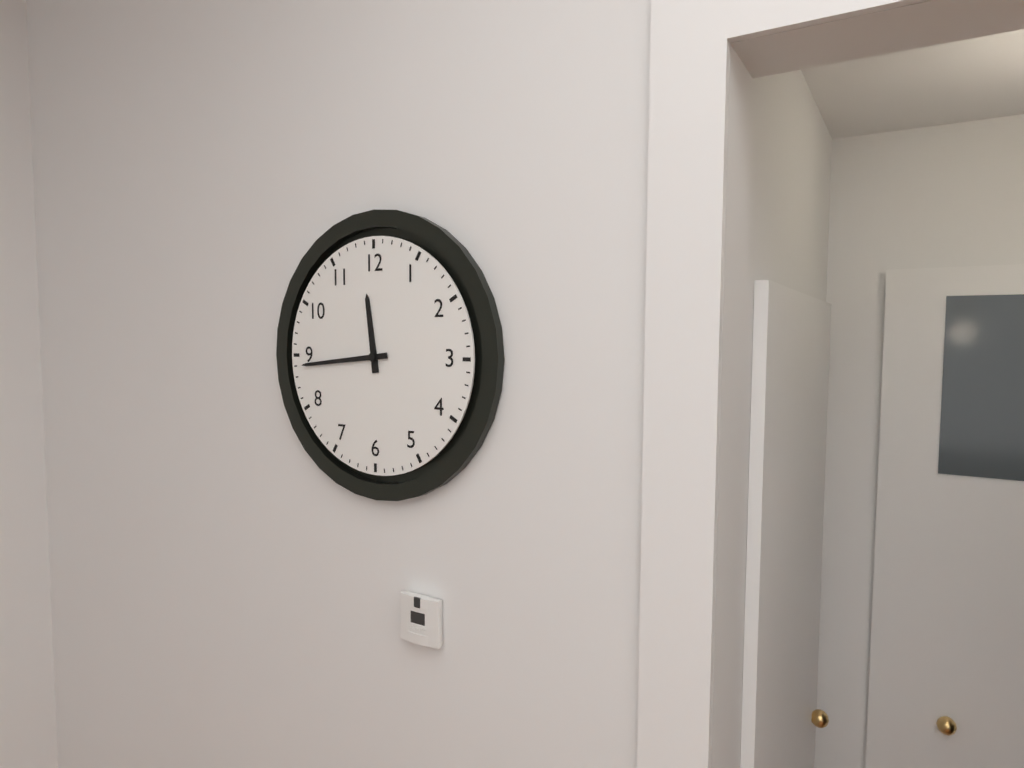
**11:44**
